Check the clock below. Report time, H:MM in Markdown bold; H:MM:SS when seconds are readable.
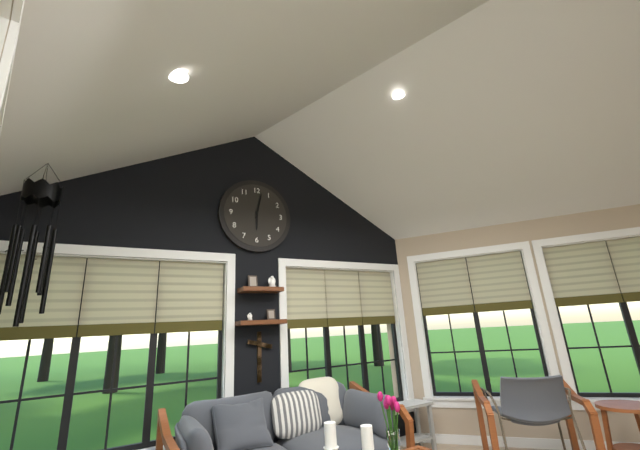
**6:02**
